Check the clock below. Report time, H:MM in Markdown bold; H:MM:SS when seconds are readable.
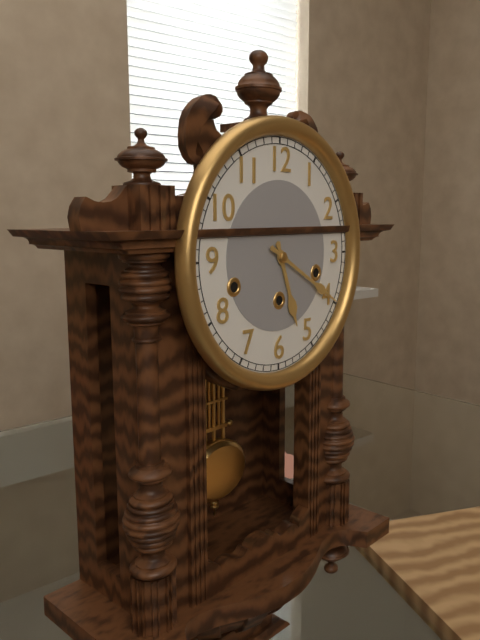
**5:20**
